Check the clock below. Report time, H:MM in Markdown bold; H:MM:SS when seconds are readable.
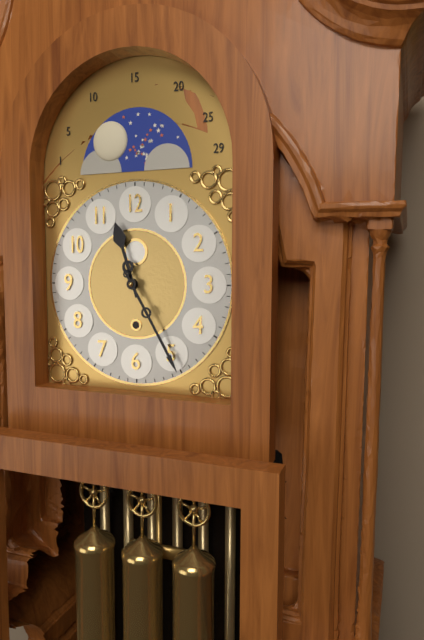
**11:25**
